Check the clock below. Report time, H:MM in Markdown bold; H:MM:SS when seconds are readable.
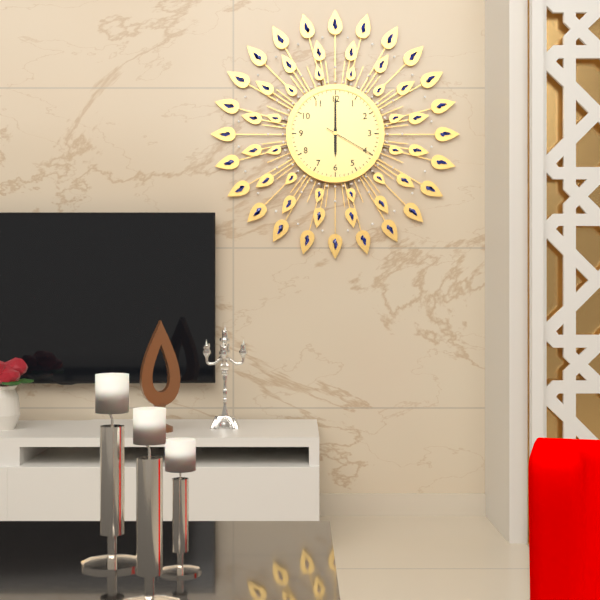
**6:00**
